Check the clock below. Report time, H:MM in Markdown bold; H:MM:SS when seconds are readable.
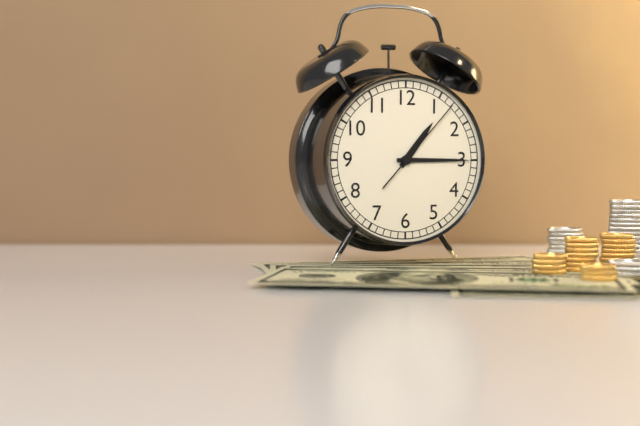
**1:15:07**
